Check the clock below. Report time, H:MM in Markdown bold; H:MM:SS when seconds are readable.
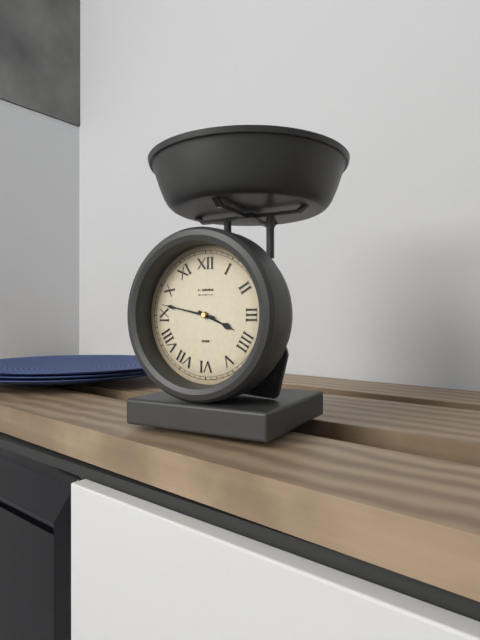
**3:47**
